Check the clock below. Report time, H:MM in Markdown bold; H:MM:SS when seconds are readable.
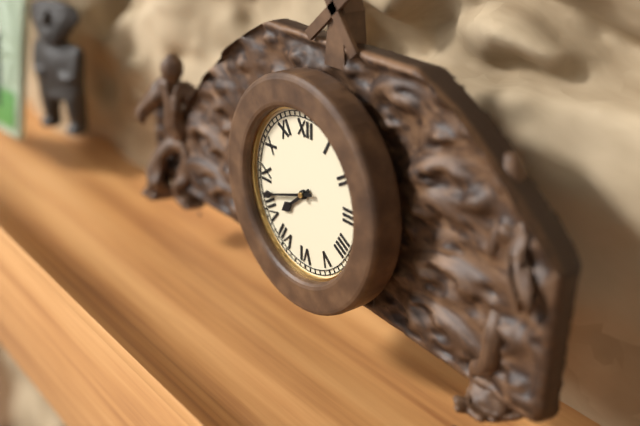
**7:42**
